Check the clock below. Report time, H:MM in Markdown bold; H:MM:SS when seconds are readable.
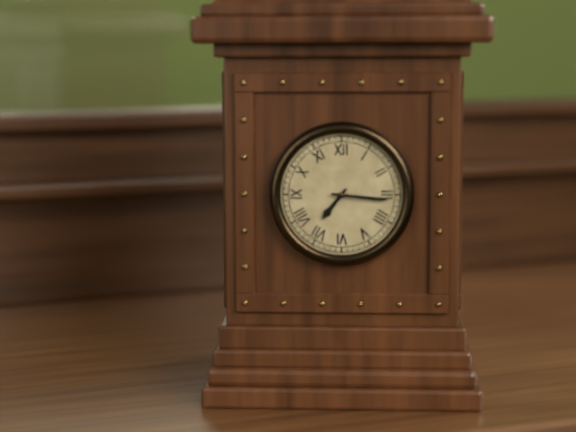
**7:16**
